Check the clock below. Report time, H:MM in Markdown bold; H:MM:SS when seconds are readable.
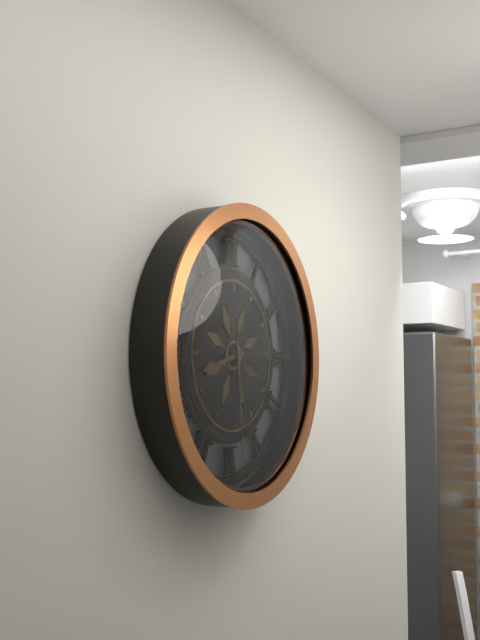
**8:29**
